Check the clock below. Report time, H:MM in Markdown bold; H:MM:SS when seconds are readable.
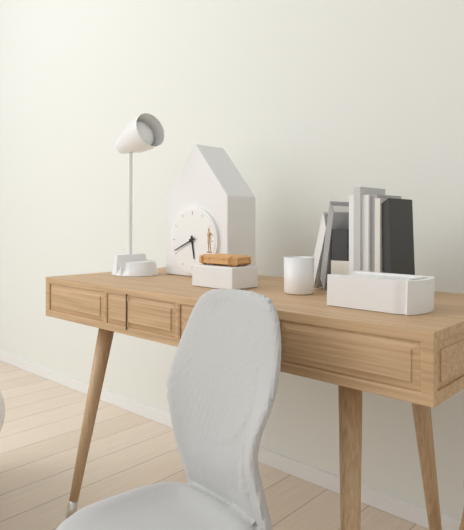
**5:41**
